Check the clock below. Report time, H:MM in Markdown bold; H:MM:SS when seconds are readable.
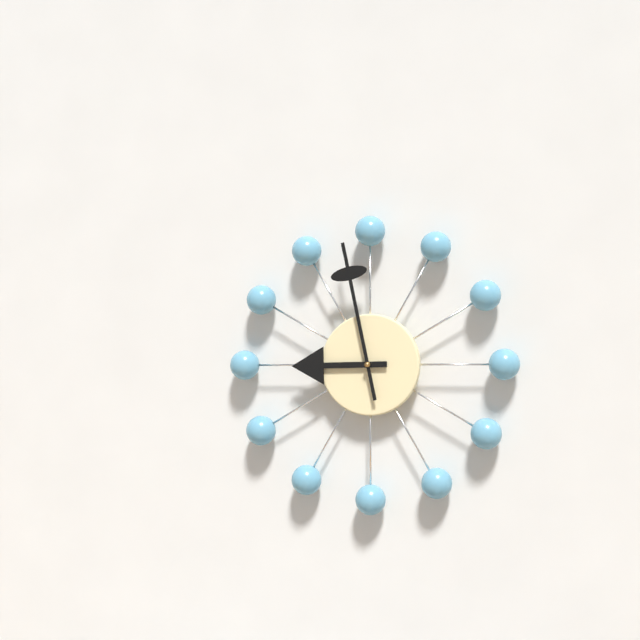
**8:58**
